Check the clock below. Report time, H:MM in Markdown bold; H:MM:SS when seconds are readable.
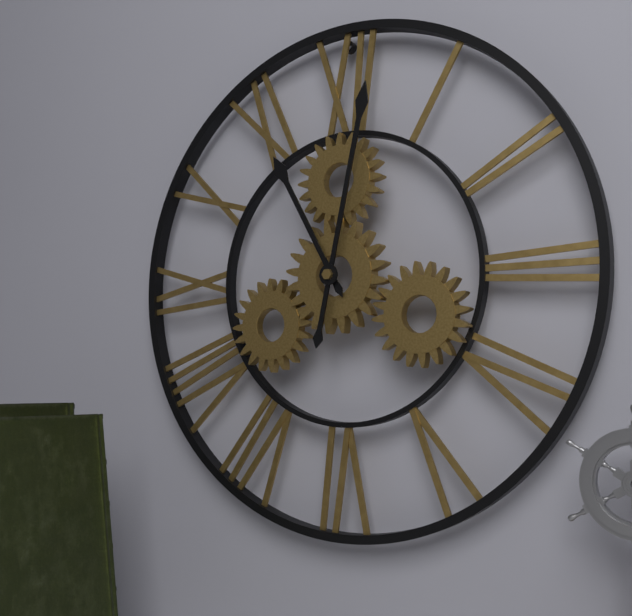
**11:02**
